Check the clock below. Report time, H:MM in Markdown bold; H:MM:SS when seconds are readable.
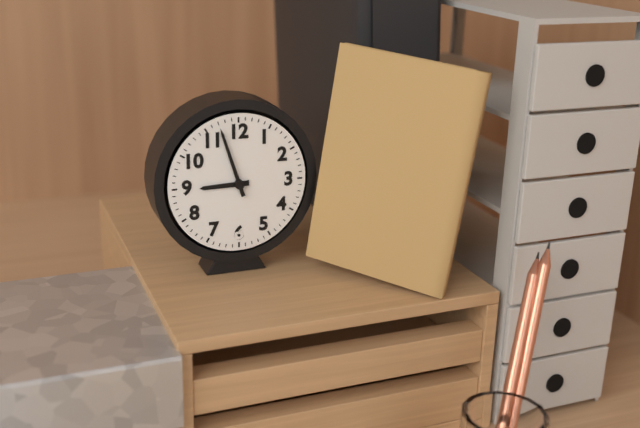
**8:57**
